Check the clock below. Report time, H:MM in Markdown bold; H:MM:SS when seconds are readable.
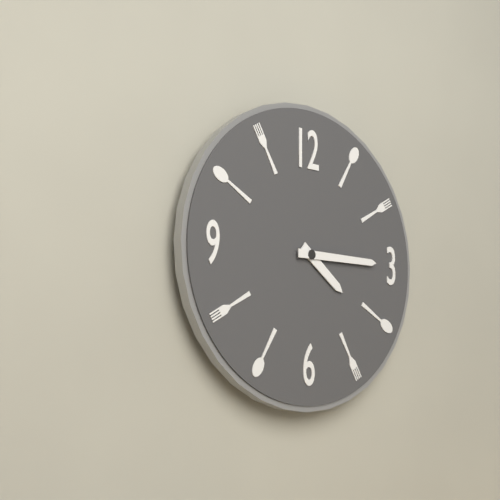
**4:15**
